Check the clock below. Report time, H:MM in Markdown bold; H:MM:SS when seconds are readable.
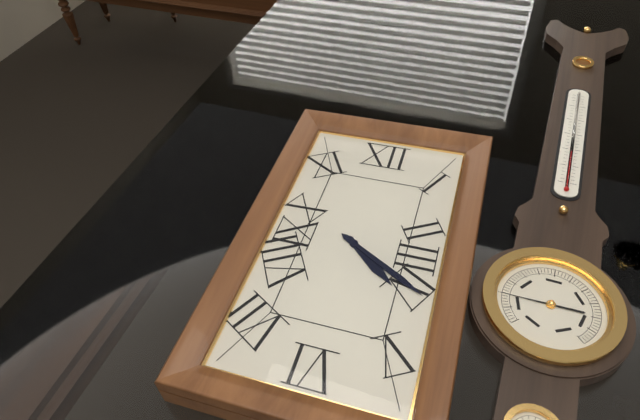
**4:20**
